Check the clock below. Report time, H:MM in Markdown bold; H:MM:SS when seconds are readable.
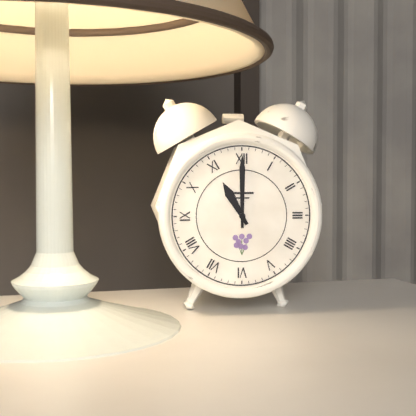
**11:00**
